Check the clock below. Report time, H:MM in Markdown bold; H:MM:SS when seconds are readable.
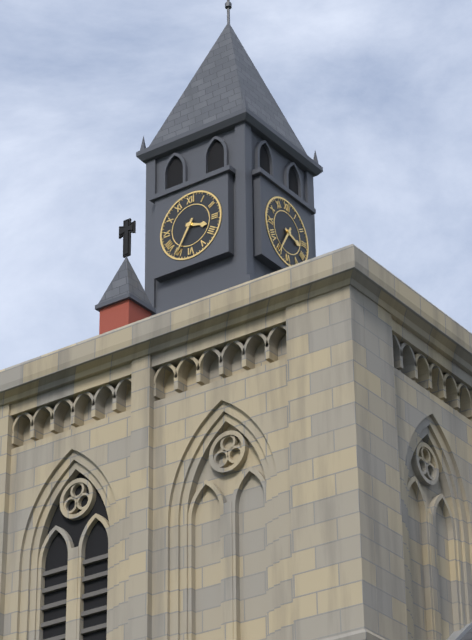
**3:35**
